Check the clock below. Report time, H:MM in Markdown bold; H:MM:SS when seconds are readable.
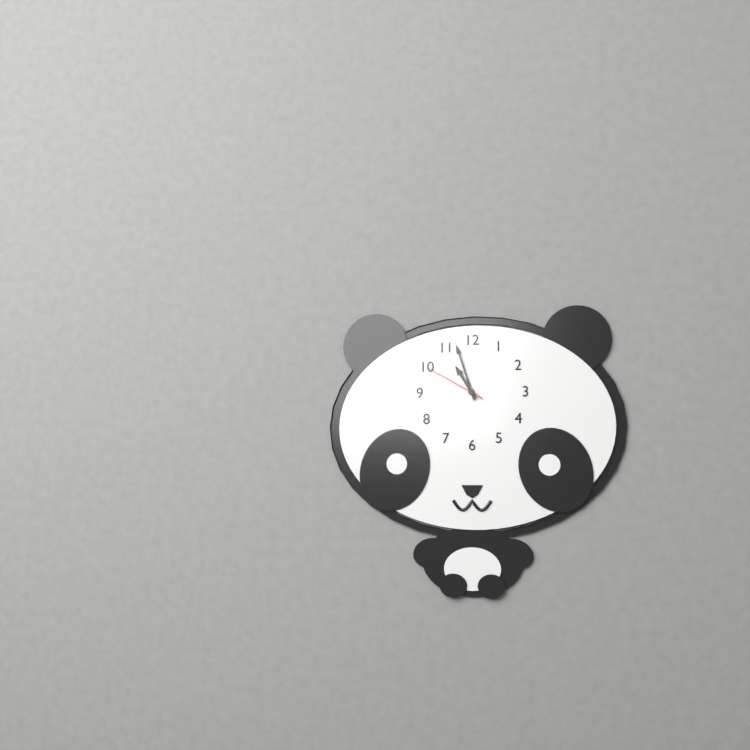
**10:57:50**
